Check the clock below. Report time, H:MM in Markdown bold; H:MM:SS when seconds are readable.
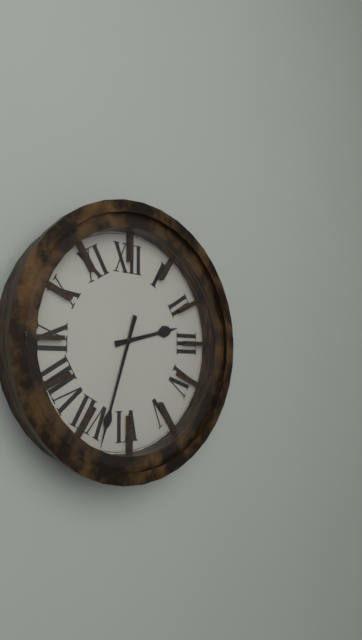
**2:33**
